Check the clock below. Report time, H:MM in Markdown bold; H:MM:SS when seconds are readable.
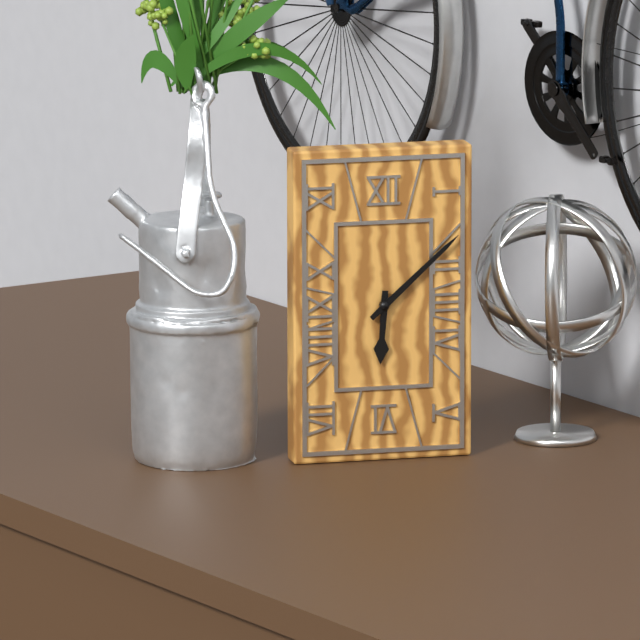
**6:08**
